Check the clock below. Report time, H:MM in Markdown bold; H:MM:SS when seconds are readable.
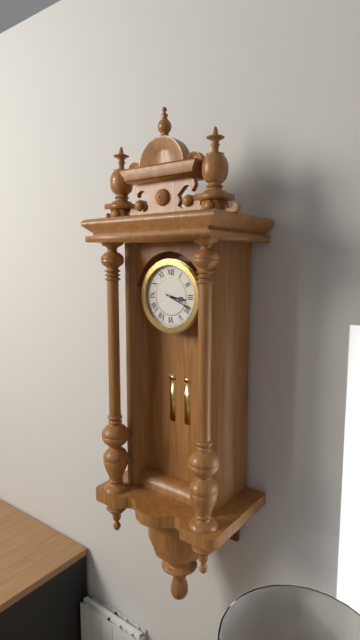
**3:19**
